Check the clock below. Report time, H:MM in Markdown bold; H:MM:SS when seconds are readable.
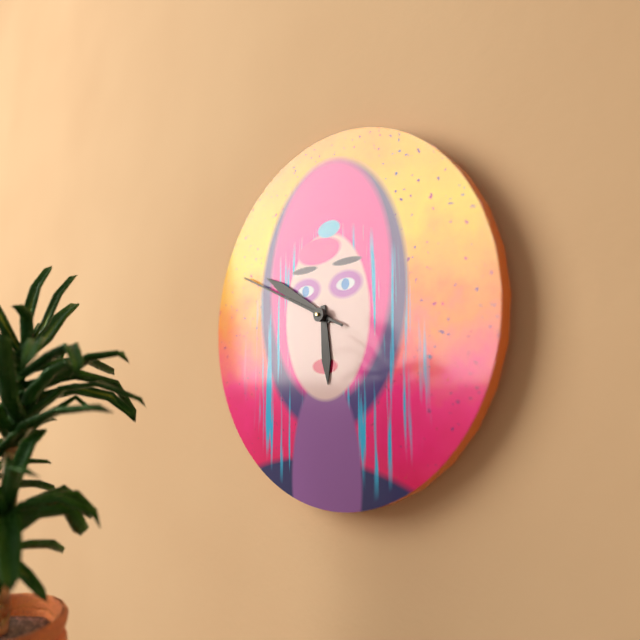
**5:50:49**
